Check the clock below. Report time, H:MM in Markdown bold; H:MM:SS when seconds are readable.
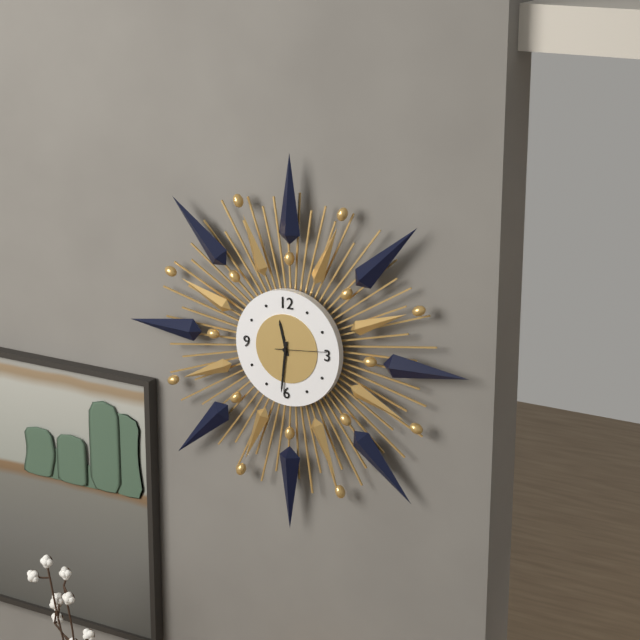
**11:31**
